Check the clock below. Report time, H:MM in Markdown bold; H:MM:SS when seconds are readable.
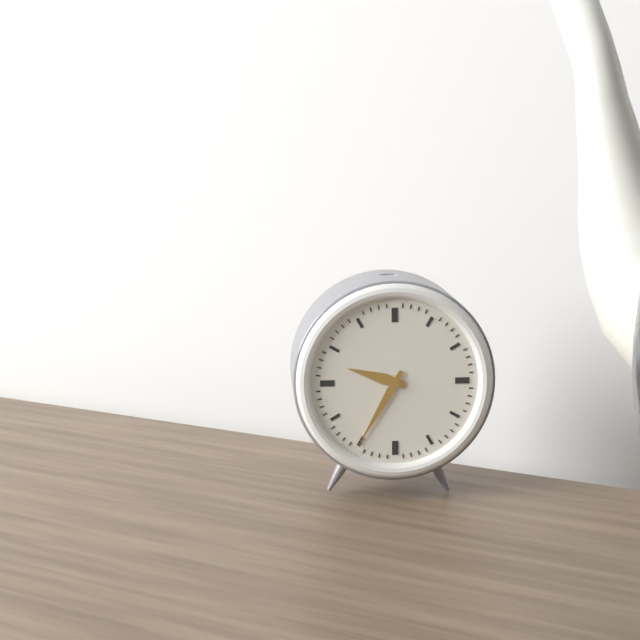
**9:35**
